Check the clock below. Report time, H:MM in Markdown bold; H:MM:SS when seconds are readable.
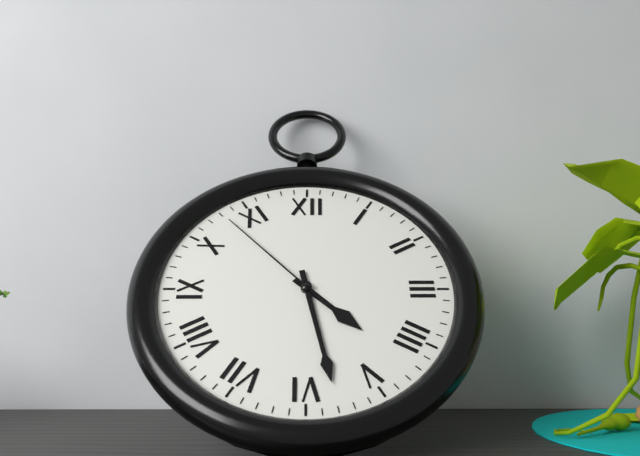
**4:28:53**
